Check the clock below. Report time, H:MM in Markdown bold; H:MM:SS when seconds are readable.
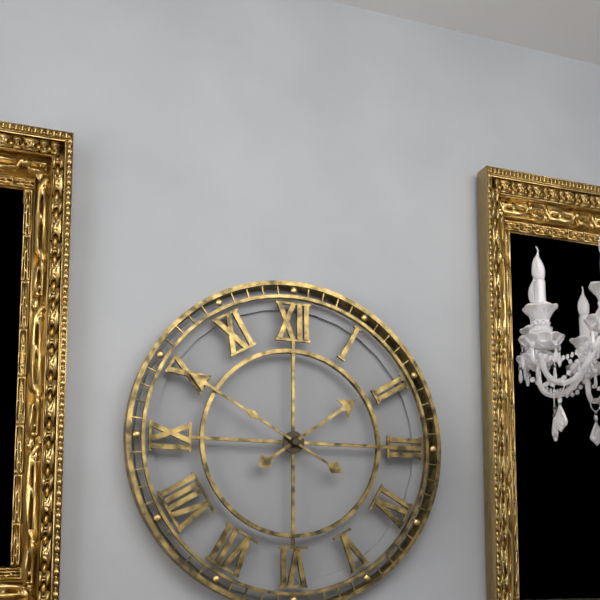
**1:50**
